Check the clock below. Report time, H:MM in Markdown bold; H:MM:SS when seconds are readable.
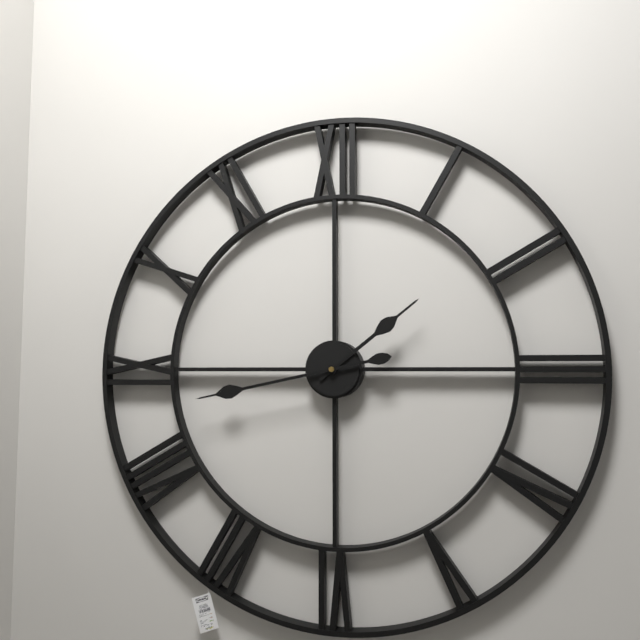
**1:43**
